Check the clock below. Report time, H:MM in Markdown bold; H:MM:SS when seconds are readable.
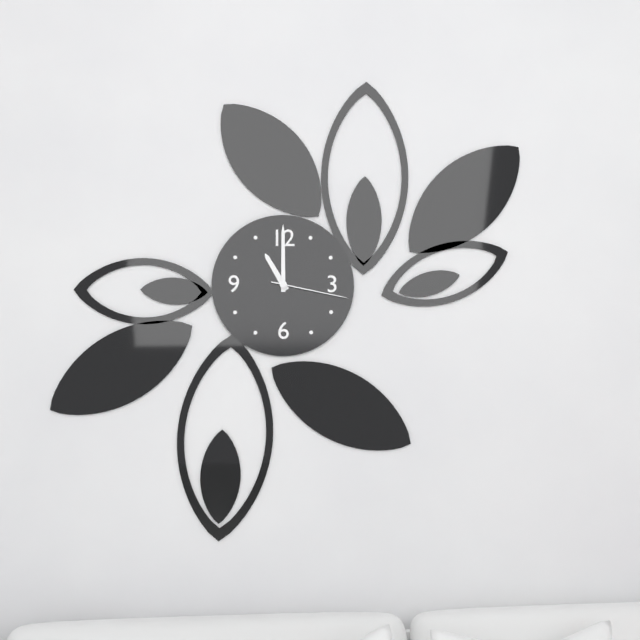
**11:00:17**
